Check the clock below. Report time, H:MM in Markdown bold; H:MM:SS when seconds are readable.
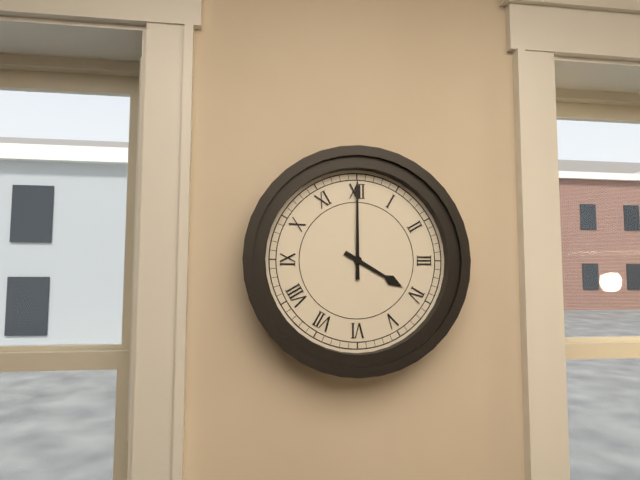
**4:00**
